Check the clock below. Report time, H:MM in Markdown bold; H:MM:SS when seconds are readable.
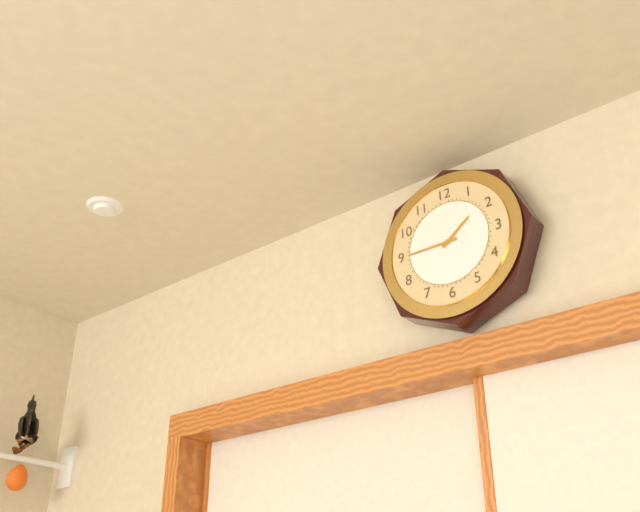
**1:45**
